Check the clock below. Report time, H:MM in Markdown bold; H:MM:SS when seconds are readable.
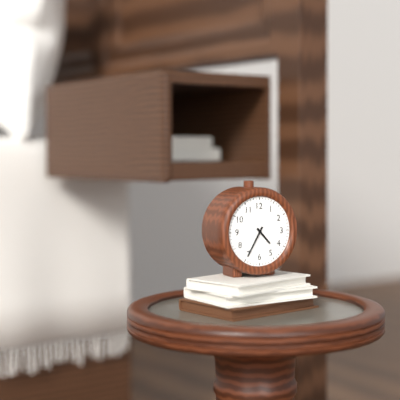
**4:35**
